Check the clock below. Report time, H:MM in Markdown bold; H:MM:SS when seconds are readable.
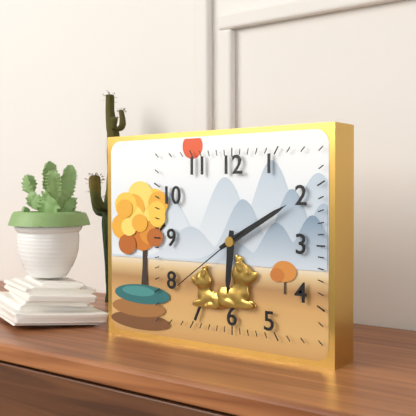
**6:10:39**
